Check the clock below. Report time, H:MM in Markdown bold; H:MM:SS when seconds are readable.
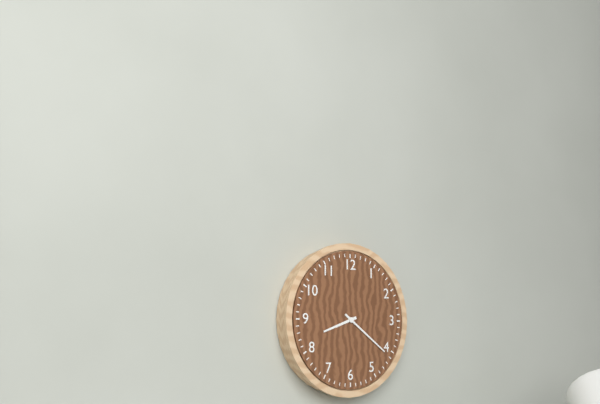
**8:21**
